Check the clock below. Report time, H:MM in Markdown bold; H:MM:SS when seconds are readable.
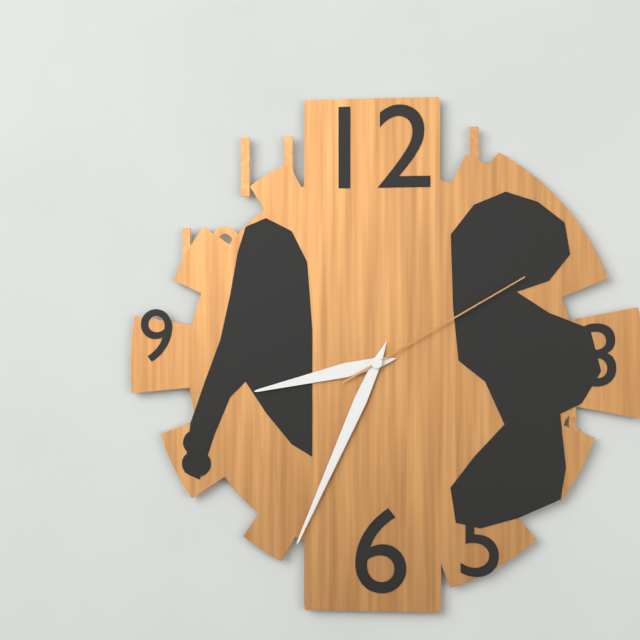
**8:34:10**
